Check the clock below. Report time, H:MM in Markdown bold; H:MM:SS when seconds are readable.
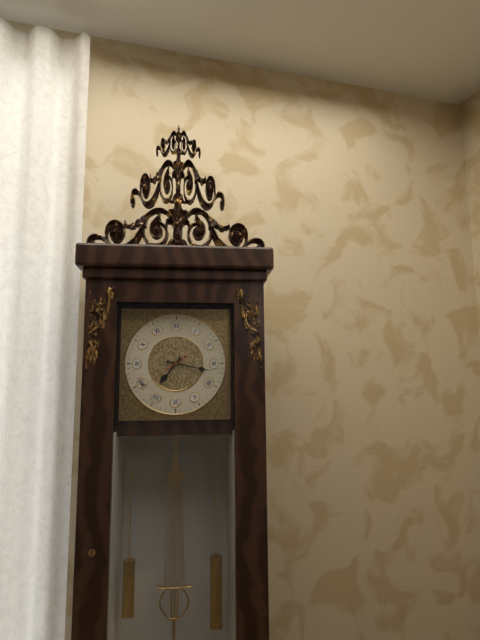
**7:17:39**
